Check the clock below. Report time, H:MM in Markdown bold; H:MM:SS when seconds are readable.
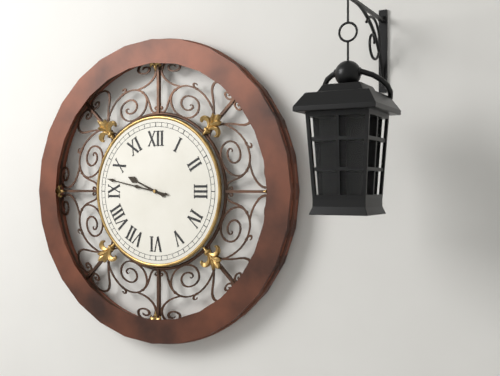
**9:47**
